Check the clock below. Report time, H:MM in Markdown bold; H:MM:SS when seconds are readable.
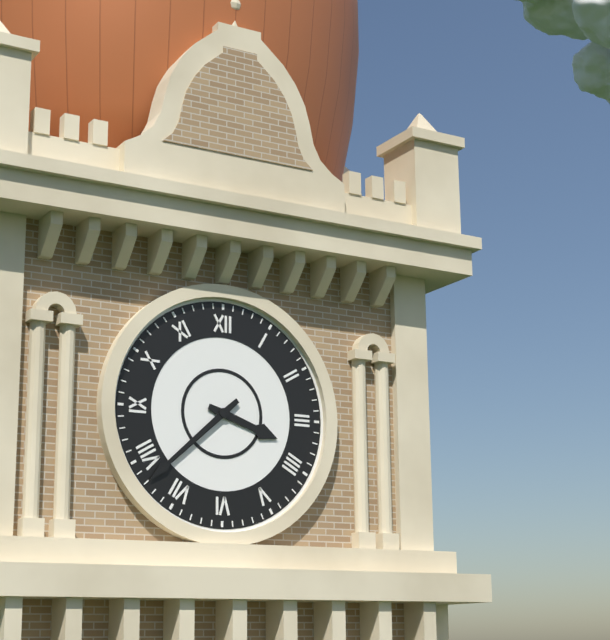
**3:38**
